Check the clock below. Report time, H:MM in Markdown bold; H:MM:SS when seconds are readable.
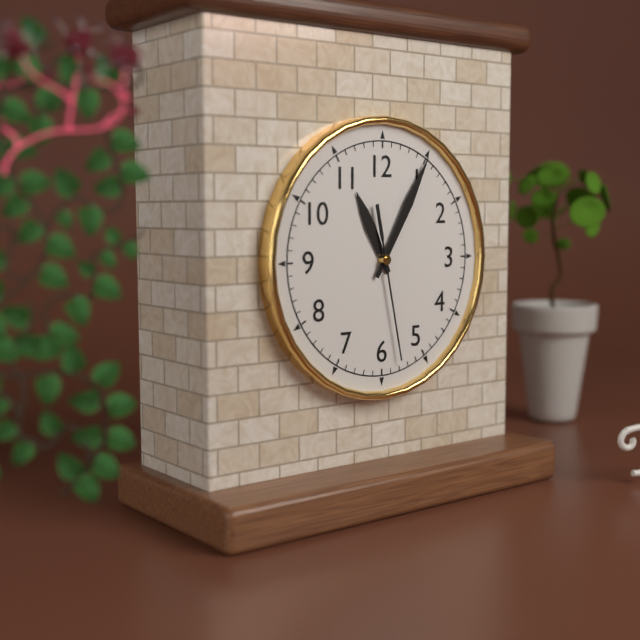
**11:05:28**
